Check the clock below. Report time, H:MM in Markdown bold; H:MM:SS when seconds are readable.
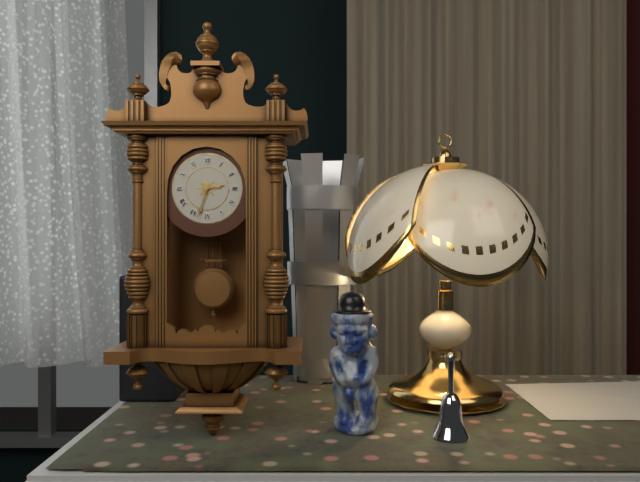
**2:33**
